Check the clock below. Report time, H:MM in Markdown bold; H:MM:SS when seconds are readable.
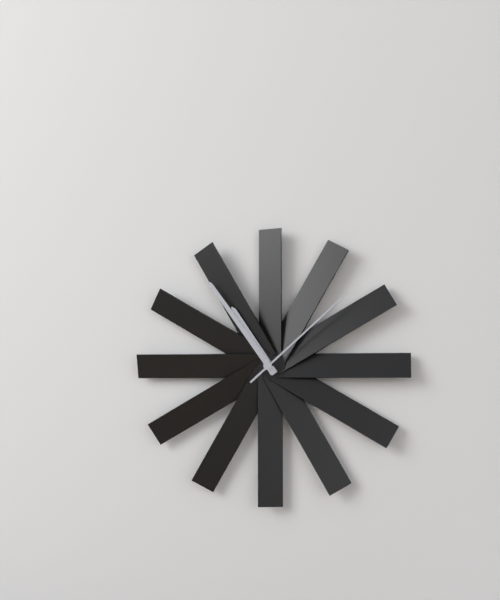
**10:54:08**
